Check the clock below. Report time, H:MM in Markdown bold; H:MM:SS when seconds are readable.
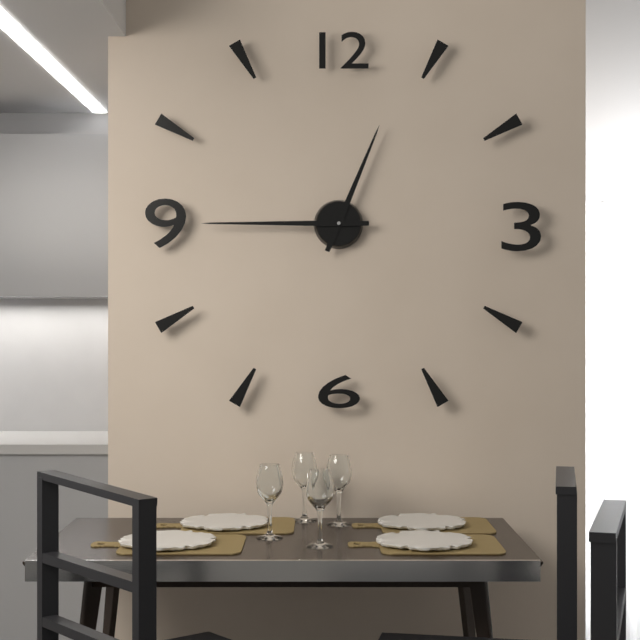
**12:45**
